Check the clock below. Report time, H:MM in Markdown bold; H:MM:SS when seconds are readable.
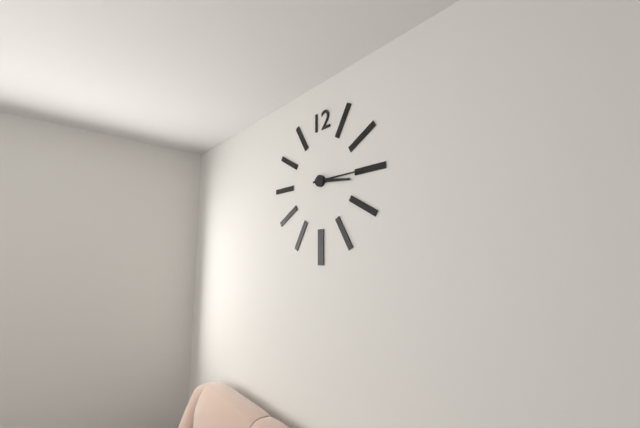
**3:15**
